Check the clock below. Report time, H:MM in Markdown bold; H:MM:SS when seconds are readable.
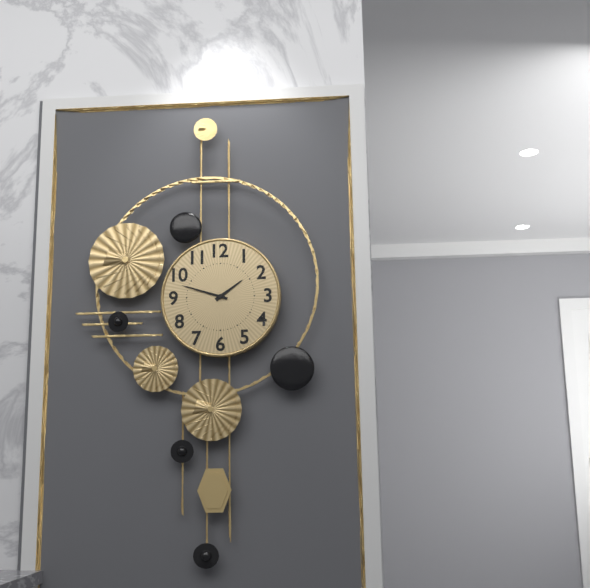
**1:48**
